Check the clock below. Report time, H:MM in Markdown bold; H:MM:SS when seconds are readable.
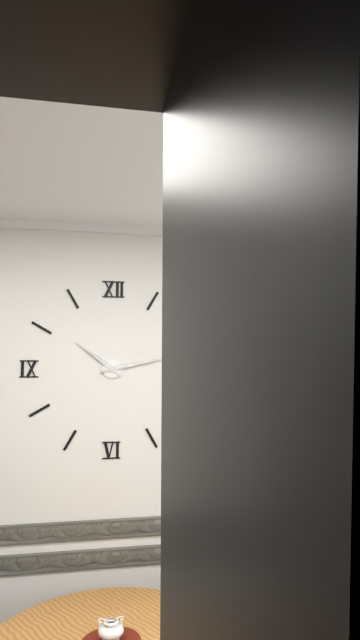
**10:13**
